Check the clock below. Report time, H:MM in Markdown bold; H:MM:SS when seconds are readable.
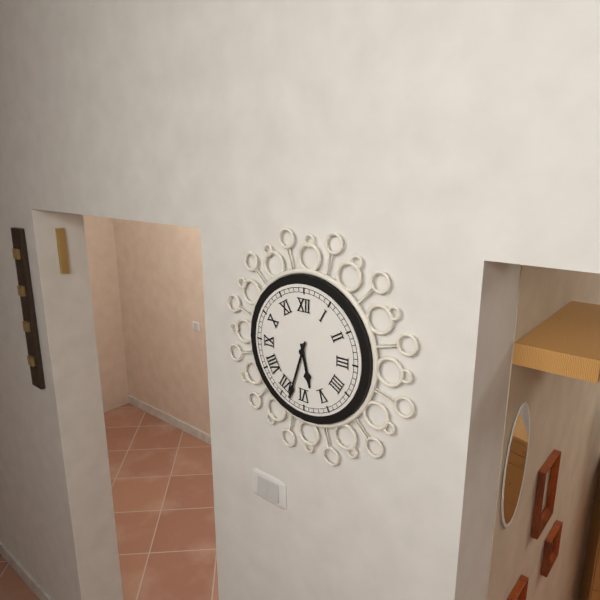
**5:33**
